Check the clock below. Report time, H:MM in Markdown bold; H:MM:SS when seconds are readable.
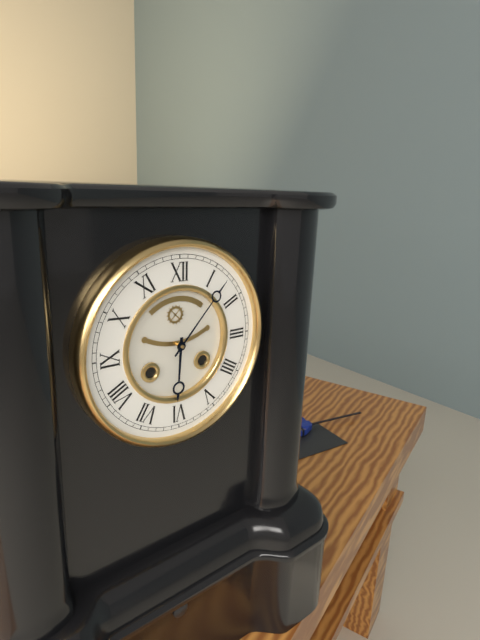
**6:07**
